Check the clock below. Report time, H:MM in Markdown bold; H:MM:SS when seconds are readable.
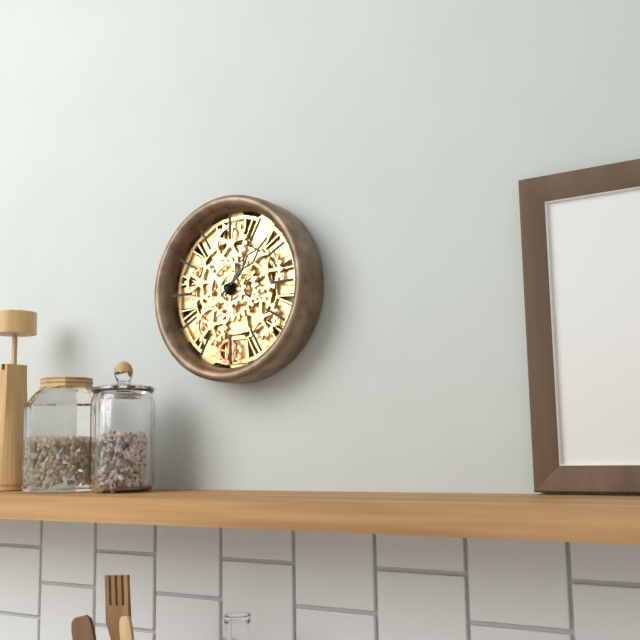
**1:08**
